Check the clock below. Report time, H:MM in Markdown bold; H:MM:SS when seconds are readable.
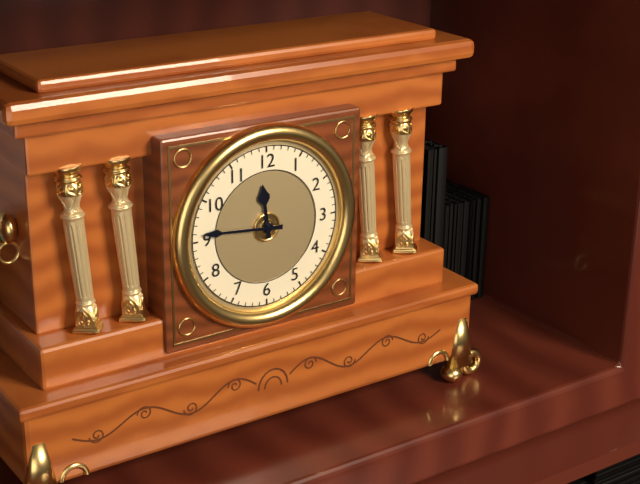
**11:46**
